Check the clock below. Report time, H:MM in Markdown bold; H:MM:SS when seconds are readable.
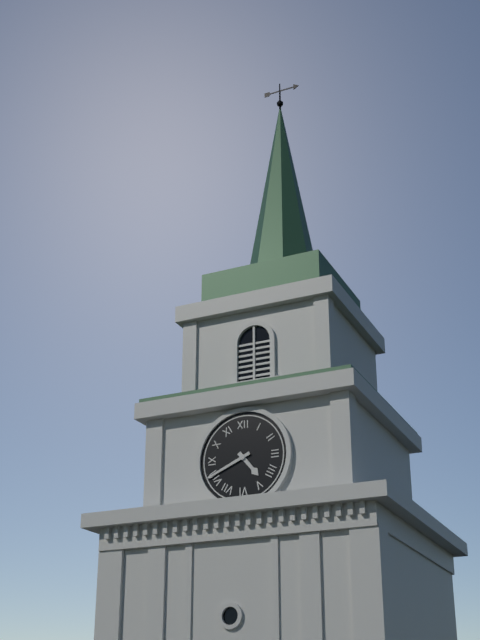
**4:41**
